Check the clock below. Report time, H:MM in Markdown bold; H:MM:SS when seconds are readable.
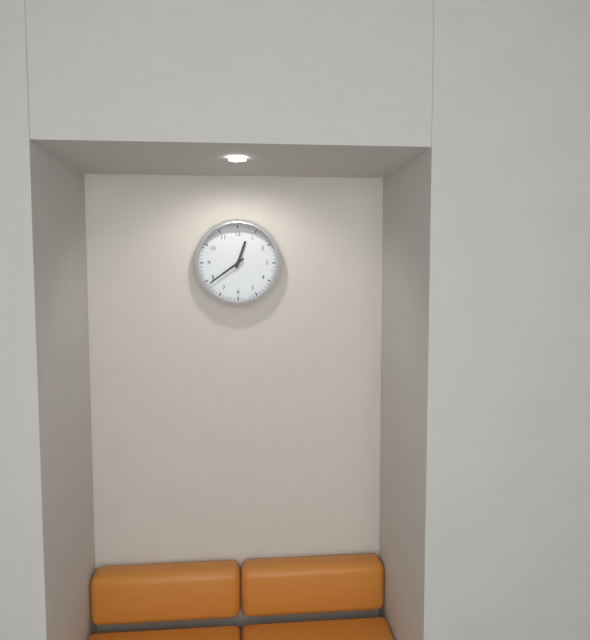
**12:39**
